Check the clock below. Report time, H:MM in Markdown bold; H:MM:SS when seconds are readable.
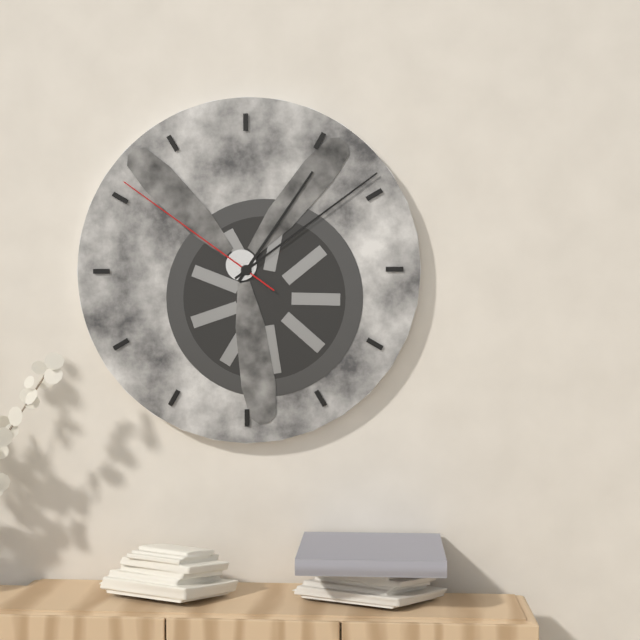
**1:09:51**
